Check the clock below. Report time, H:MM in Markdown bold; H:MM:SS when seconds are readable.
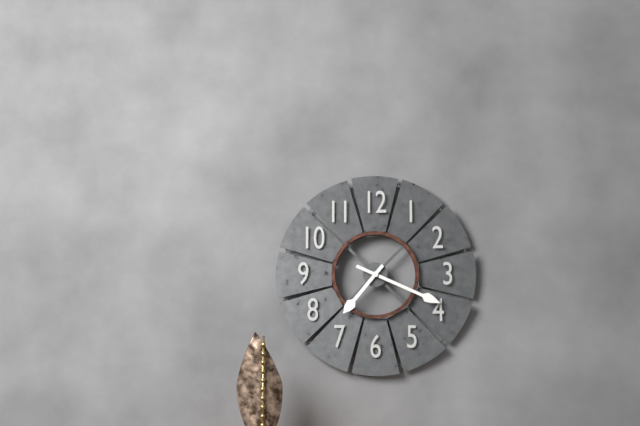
**7:19**
